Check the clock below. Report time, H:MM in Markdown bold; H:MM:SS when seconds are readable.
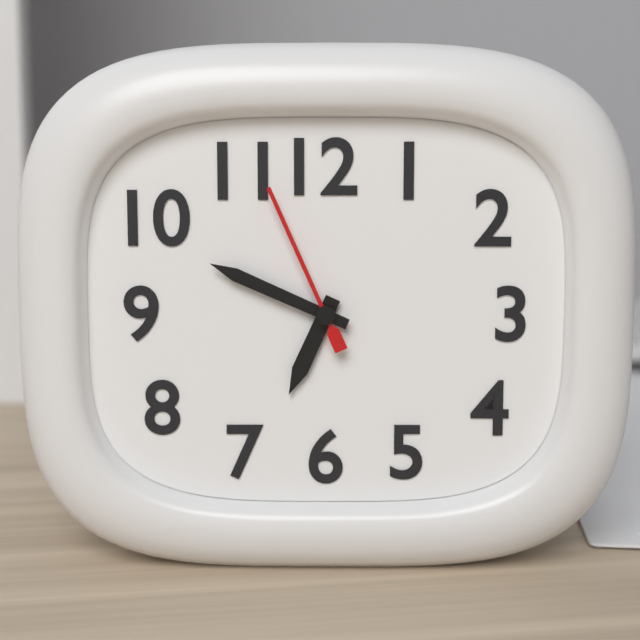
**6:49:56**
